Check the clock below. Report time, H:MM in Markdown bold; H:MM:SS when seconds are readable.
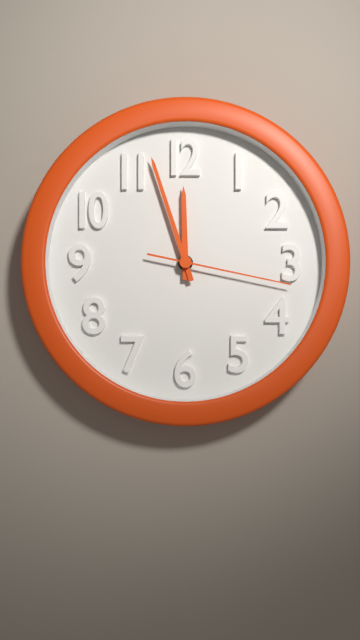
**11:57:17**
